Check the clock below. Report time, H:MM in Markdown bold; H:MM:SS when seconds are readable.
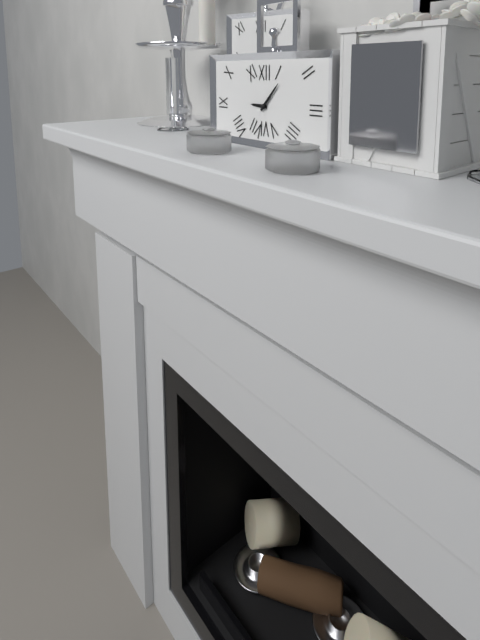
**9:07**
